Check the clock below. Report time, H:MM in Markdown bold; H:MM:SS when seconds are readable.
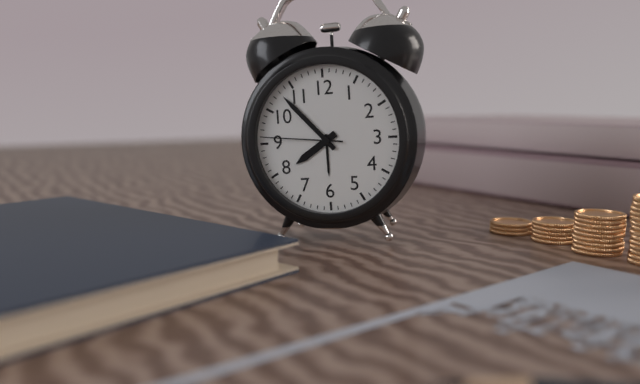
**7:53:46**
